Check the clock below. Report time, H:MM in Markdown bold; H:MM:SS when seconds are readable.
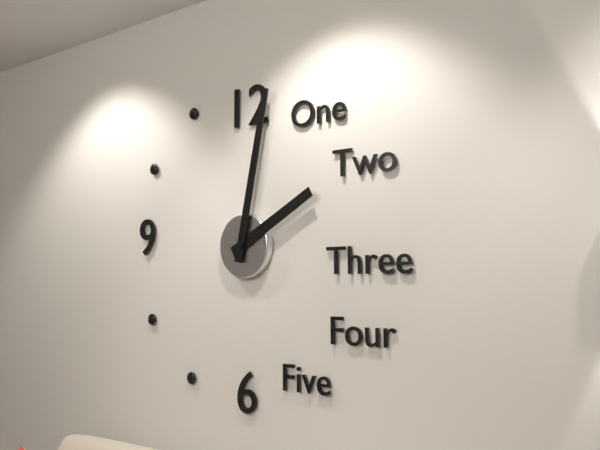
**2:02**
